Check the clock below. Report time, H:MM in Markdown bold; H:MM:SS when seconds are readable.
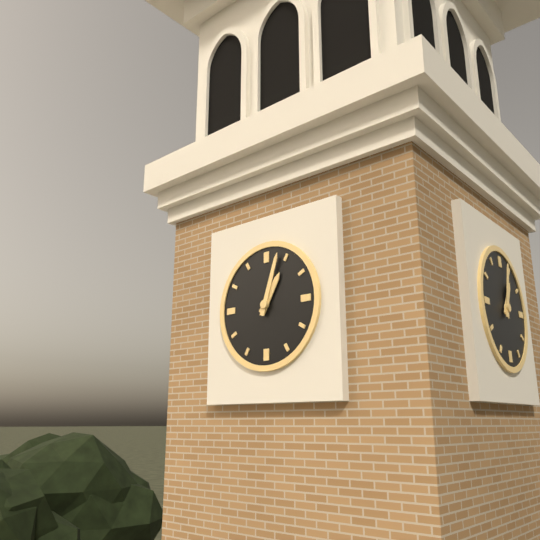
**1:03**
